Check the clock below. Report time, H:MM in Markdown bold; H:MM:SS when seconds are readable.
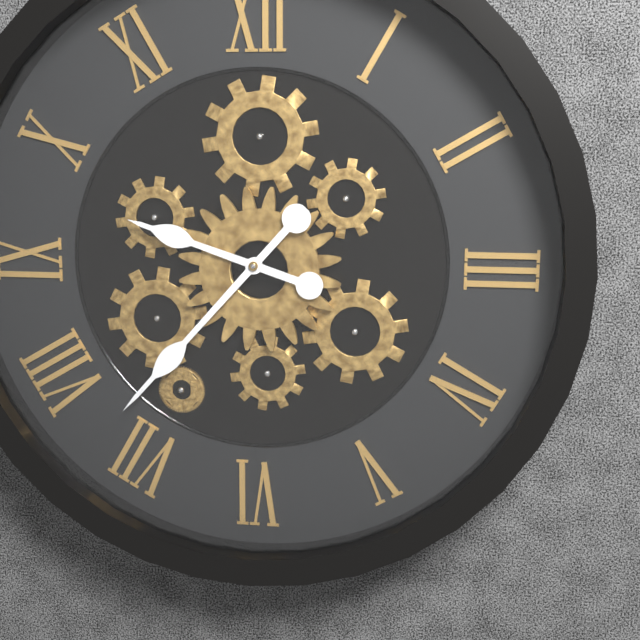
**9:37**
